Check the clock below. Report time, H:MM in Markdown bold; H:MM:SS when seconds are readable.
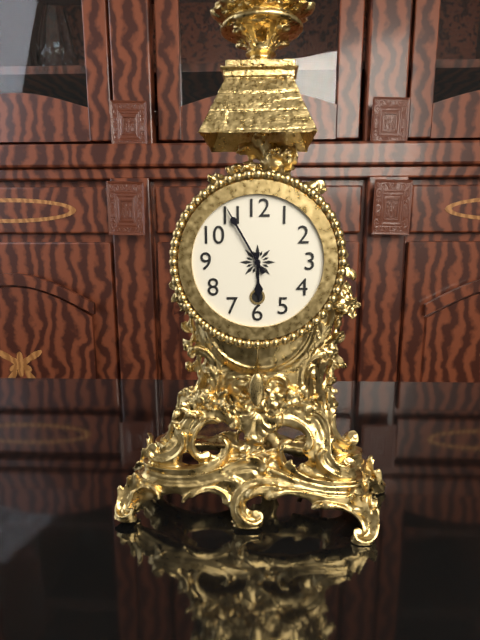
**5:55**
